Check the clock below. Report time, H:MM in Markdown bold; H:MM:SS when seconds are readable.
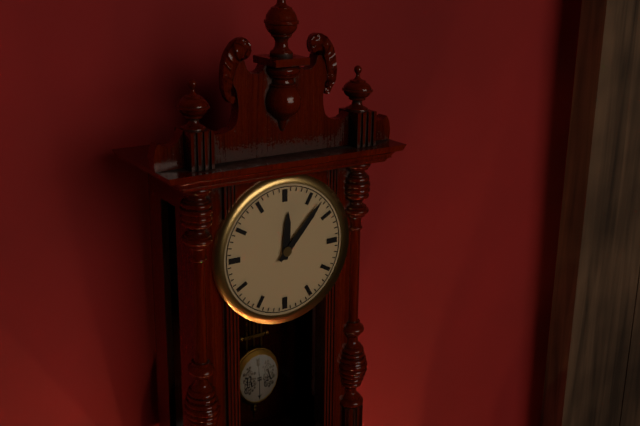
**12:07**
